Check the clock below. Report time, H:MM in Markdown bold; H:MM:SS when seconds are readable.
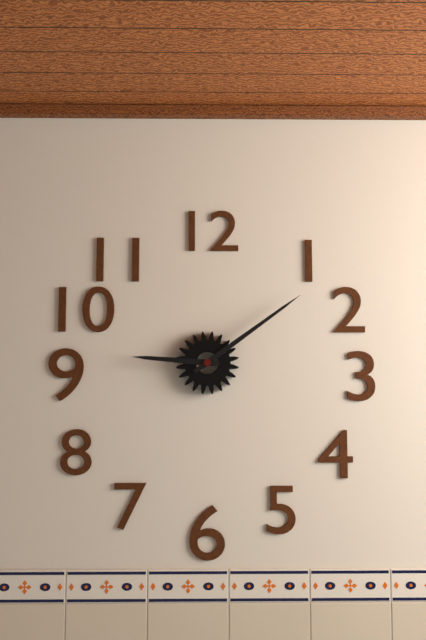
**9:09**
